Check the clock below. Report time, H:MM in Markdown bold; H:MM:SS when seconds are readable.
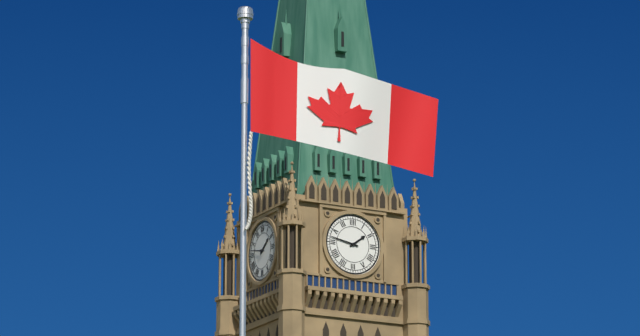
**1:47**
